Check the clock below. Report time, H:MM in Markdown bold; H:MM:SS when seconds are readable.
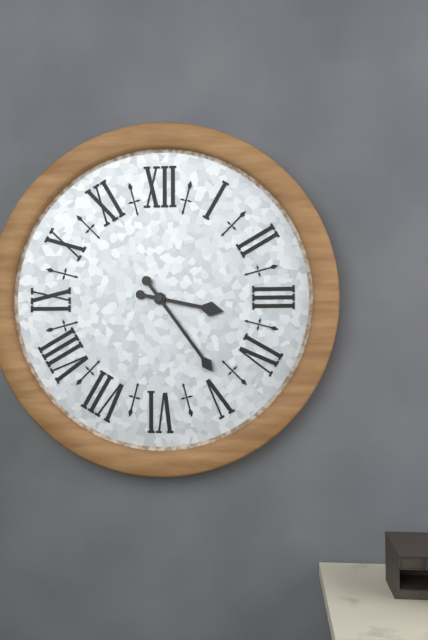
**3:24**
